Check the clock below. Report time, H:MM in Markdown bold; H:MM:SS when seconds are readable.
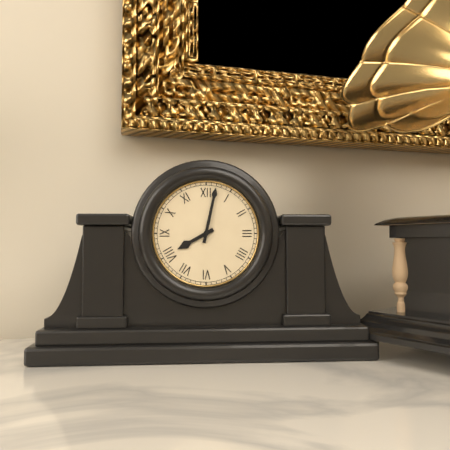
**8:02**
